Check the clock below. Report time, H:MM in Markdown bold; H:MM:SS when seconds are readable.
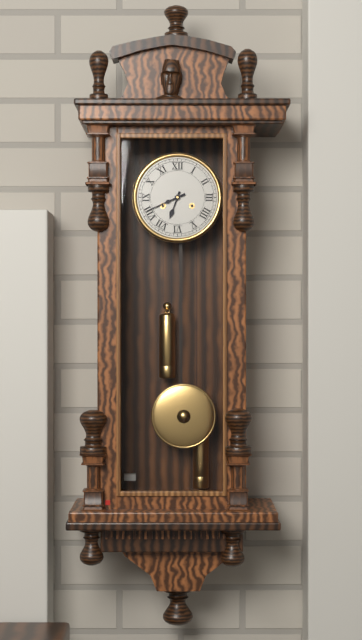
**6:41**
